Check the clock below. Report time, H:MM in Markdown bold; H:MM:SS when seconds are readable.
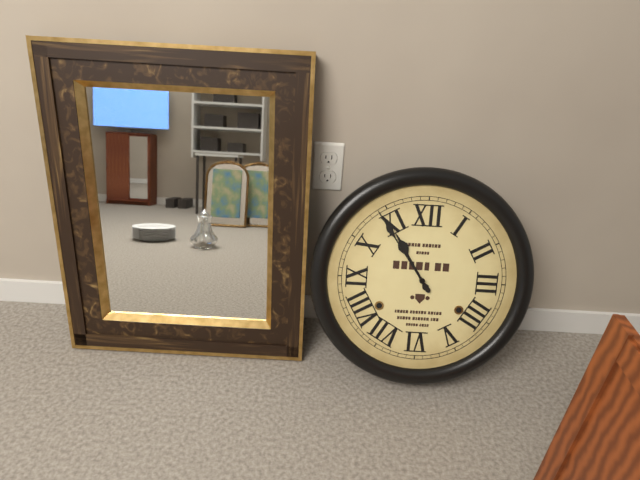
**10:54**
